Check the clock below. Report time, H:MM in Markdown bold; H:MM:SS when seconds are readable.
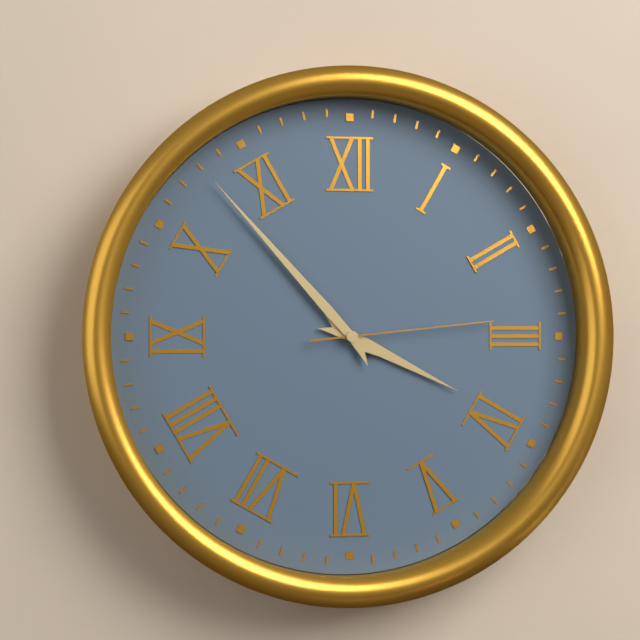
**3:53:14**
